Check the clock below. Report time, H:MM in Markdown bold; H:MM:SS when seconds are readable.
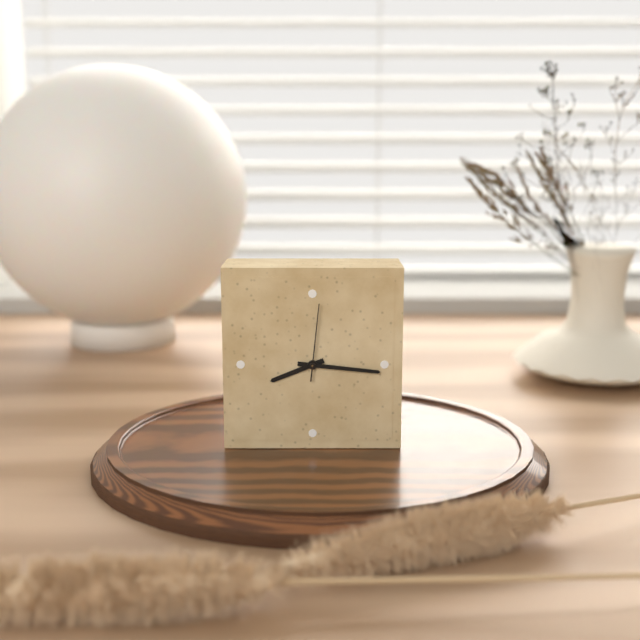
**8:16:01**
